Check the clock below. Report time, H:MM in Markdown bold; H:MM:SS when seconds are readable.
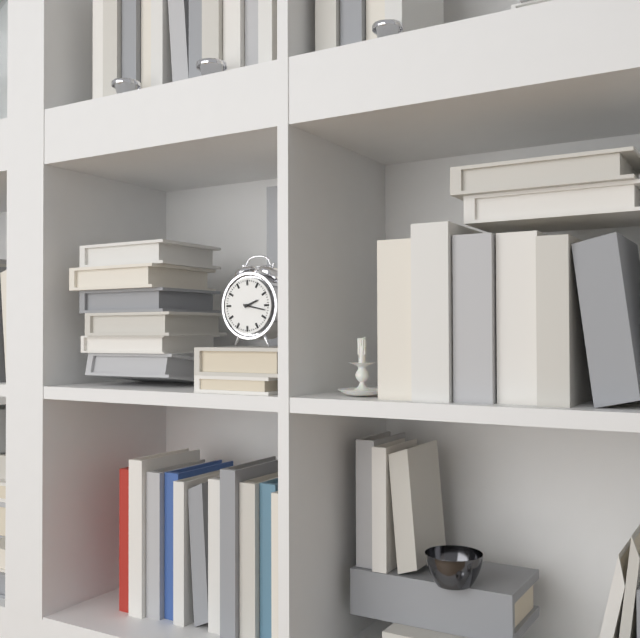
**2:17**
